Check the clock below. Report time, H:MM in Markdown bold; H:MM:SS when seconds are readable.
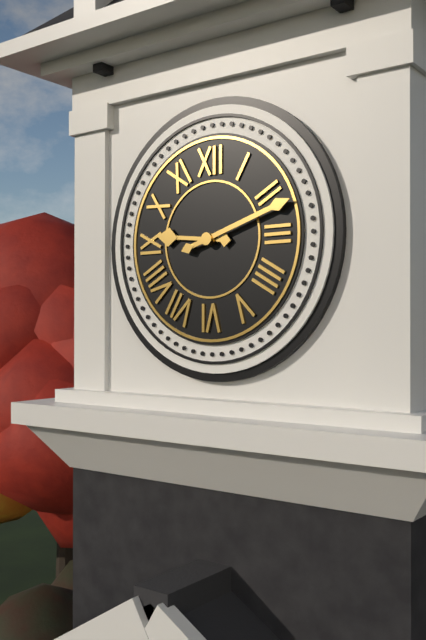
**9:12**
